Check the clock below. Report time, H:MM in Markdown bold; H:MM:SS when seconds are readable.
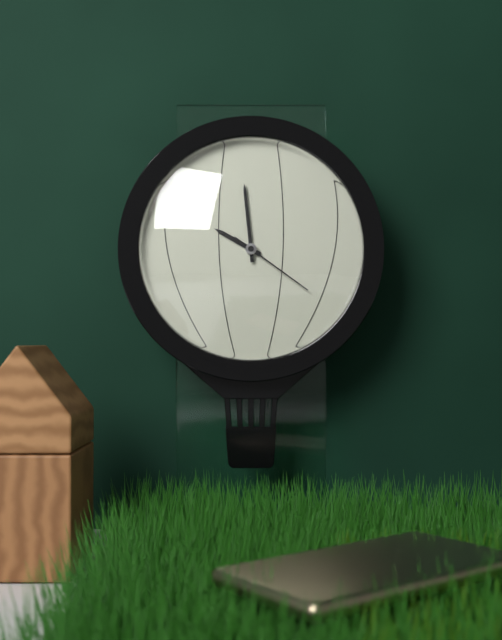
**9:59:21**
